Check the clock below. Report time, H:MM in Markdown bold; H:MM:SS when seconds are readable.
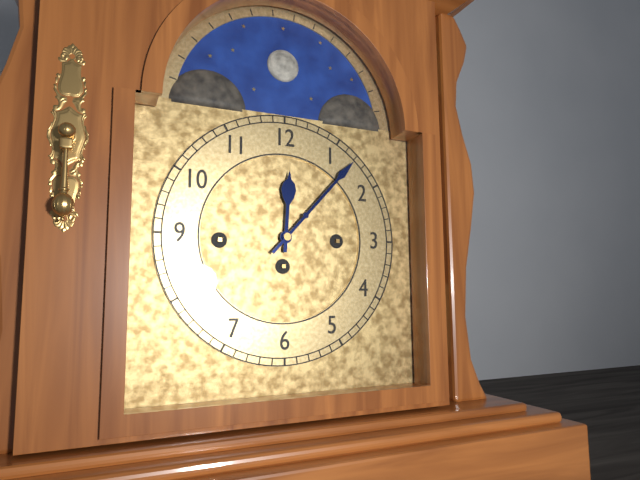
**12:07**
